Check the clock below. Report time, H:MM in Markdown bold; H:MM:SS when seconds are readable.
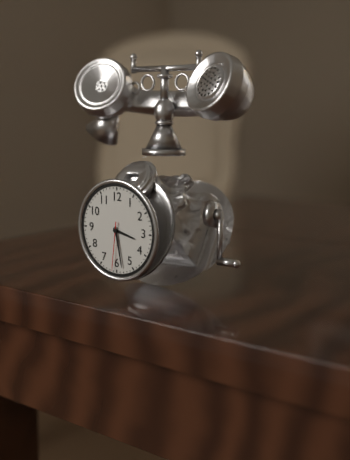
**3:28:31**
